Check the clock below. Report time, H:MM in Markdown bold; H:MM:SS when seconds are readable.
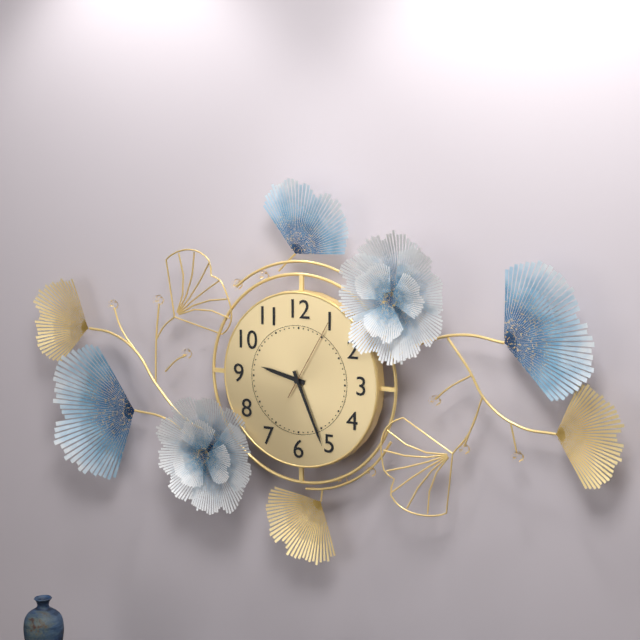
**9:26:05**
